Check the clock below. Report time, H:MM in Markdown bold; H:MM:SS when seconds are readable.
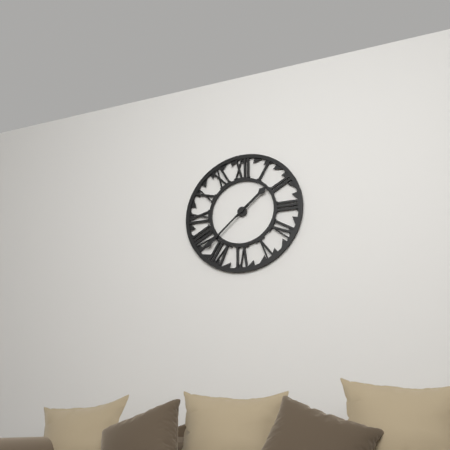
**1:38**
